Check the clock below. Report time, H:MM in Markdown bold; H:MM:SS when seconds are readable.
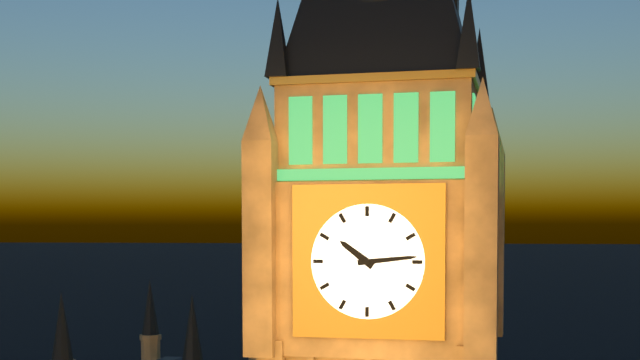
**10:14**
